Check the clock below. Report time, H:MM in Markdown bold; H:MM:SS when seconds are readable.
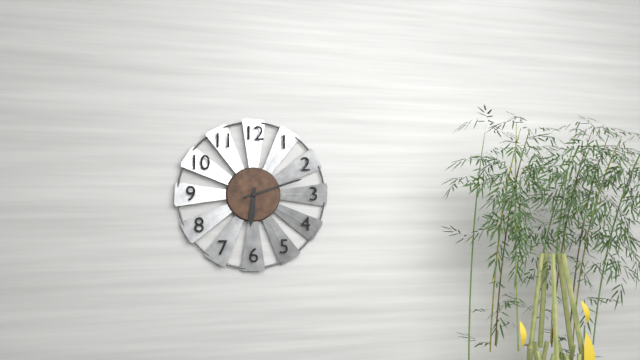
**6:12**
